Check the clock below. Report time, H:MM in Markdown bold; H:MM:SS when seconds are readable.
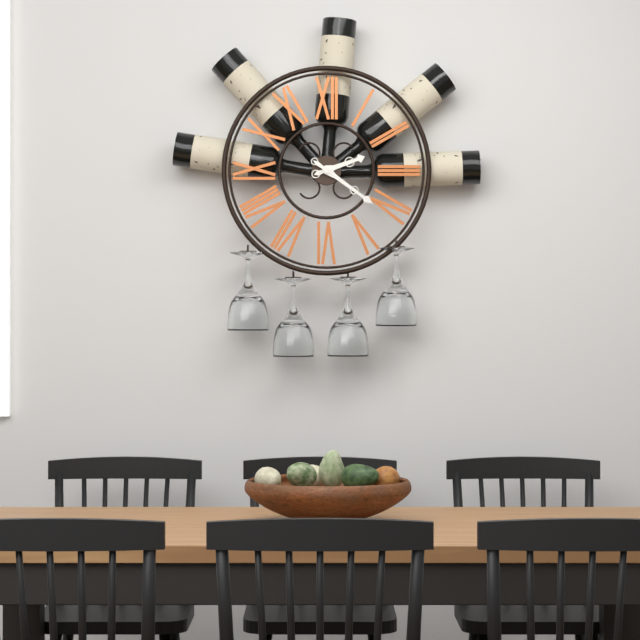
**2:21**
